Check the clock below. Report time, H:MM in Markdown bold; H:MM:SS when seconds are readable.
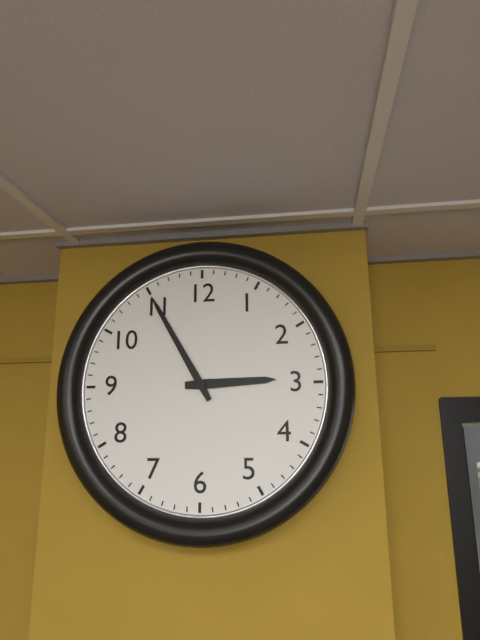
**2:55**
